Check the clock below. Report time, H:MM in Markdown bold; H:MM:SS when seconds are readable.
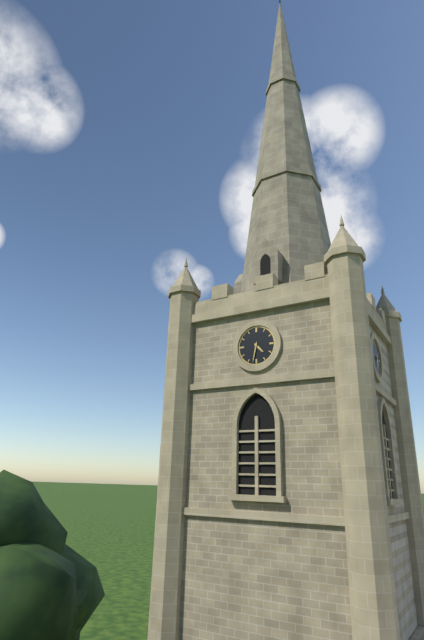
**4:32**
